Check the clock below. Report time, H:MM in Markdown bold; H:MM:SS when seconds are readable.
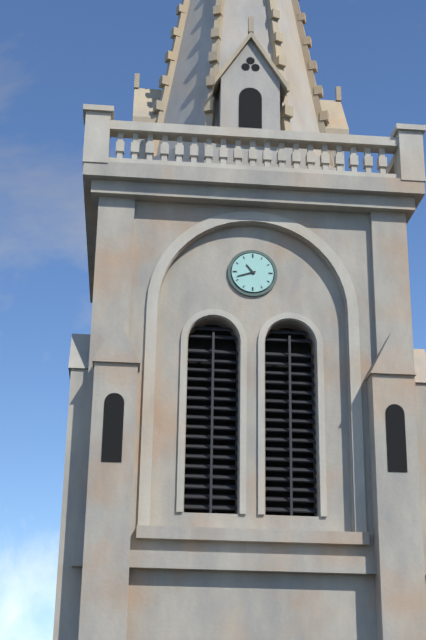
**10:42**
